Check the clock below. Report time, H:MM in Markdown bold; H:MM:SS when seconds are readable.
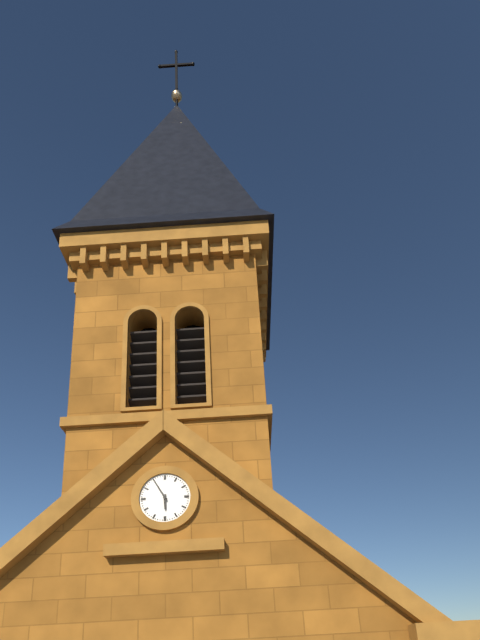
**5:55**
